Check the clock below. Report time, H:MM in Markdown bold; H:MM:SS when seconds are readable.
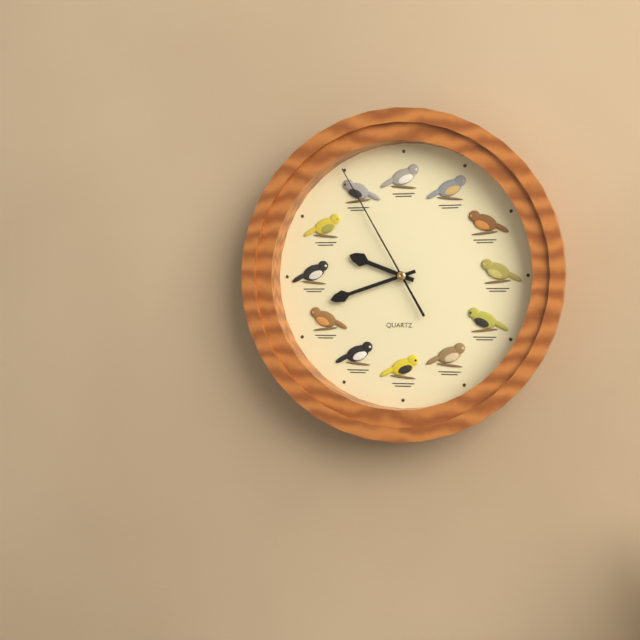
**9:42:55**
